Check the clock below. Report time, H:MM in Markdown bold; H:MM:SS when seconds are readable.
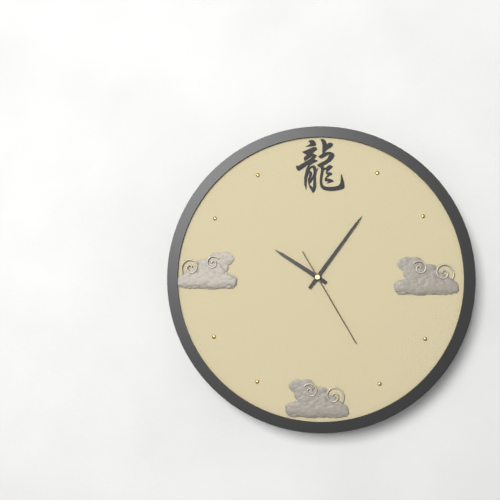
**10:06:25**
